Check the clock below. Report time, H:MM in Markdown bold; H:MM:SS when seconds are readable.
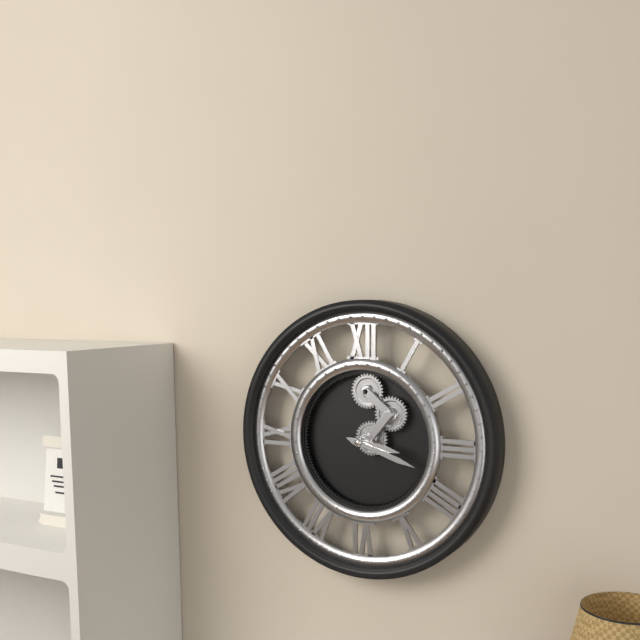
**3:18**
